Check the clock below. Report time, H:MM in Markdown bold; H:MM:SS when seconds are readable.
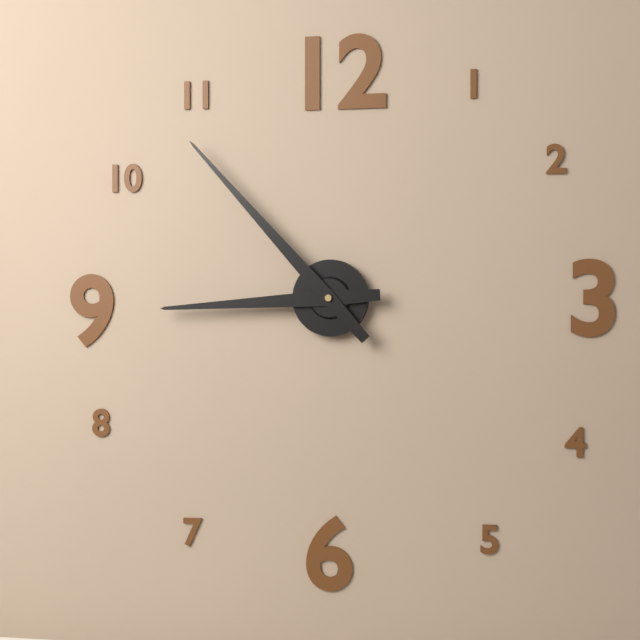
**8:53**
